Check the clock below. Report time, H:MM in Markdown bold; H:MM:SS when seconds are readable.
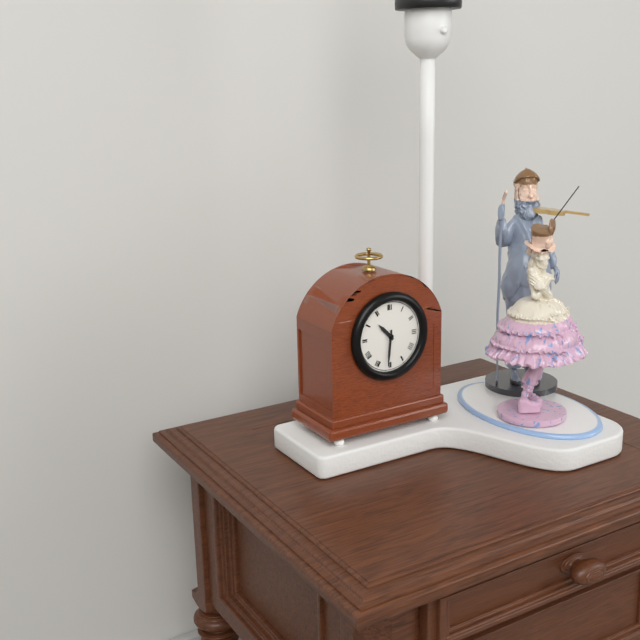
**10:31**
